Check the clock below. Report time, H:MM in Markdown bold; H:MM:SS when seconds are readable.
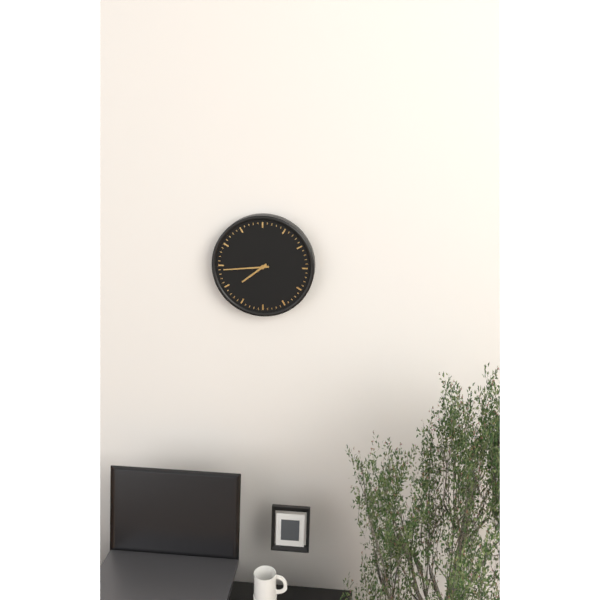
**7:44**
